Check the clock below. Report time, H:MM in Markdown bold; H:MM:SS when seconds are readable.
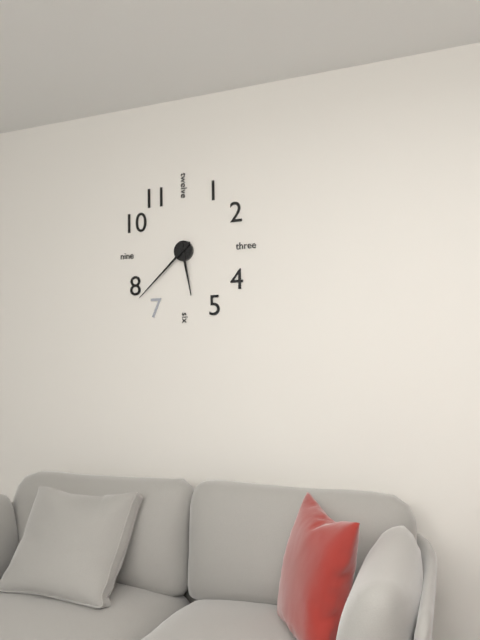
**5:38**
